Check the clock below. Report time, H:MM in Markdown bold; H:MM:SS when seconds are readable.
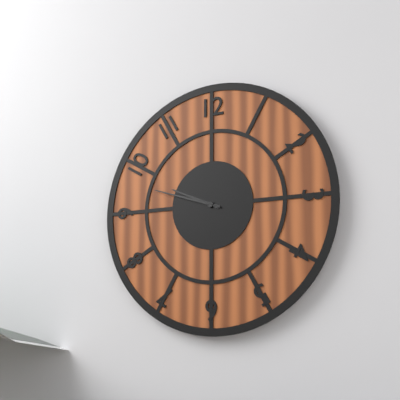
**9:48**
